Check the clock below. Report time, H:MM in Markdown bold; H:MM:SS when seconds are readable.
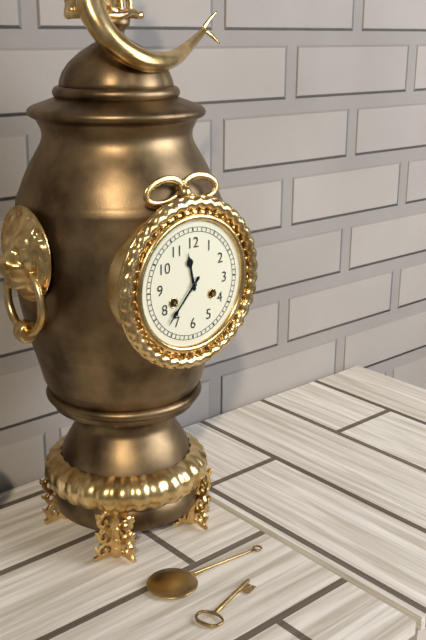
**11:37**
